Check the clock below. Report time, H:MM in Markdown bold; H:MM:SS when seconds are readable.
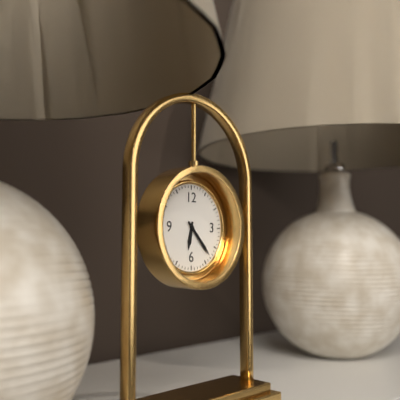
**6:23**
